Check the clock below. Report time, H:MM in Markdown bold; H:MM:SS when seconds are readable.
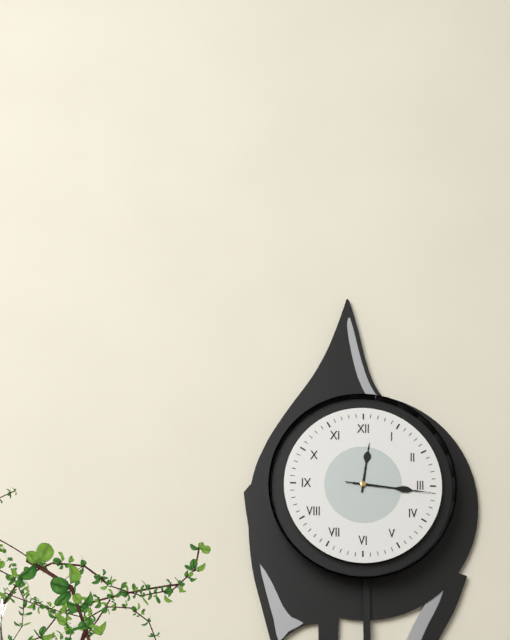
**12:16:16**
